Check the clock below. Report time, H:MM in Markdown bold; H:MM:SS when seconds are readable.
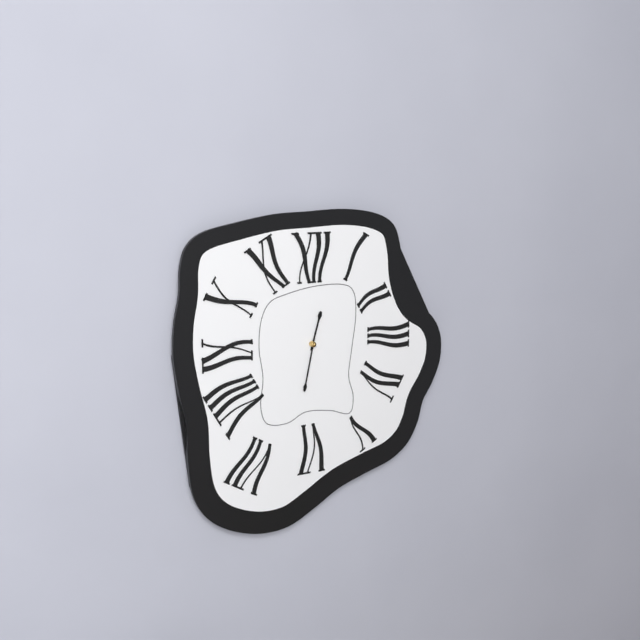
**12:32**
